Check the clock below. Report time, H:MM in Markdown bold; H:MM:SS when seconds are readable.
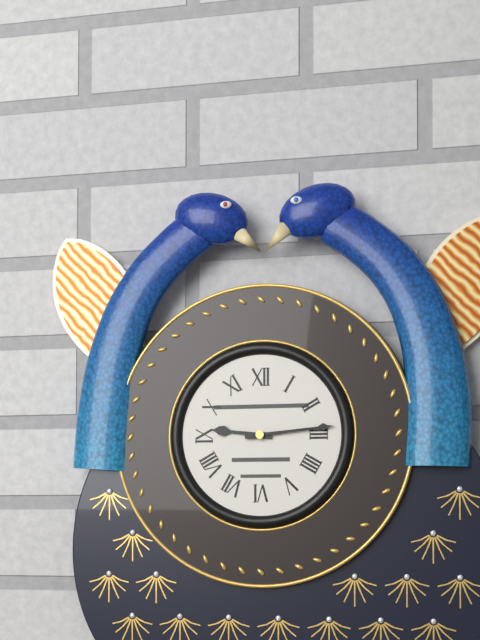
**9:14**
